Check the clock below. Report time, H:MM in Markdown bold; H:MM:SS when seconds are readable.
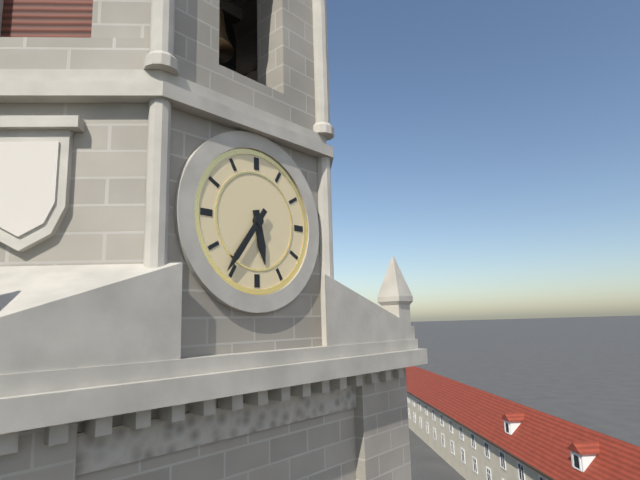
**5:36**
